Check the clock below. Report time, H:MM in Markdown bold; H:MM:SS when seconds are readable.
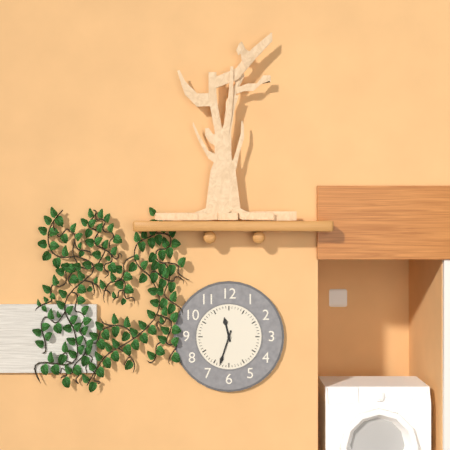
**11:33**
